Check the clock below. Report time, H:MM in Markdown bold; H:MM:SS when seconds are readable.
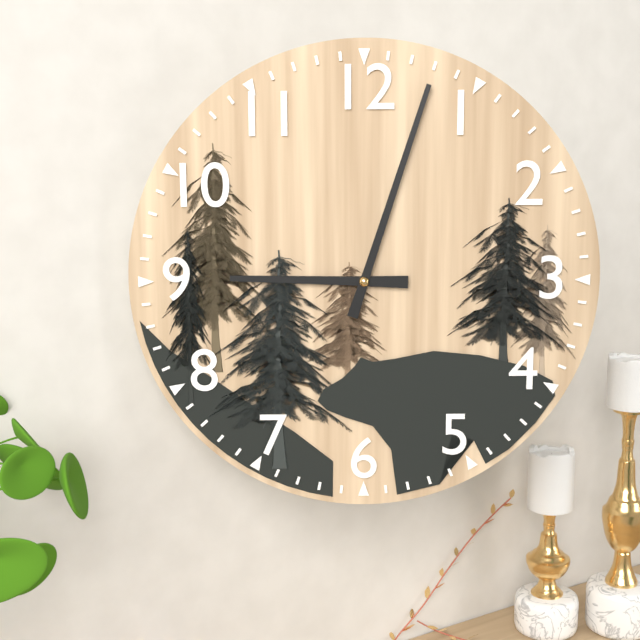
**9:03**
